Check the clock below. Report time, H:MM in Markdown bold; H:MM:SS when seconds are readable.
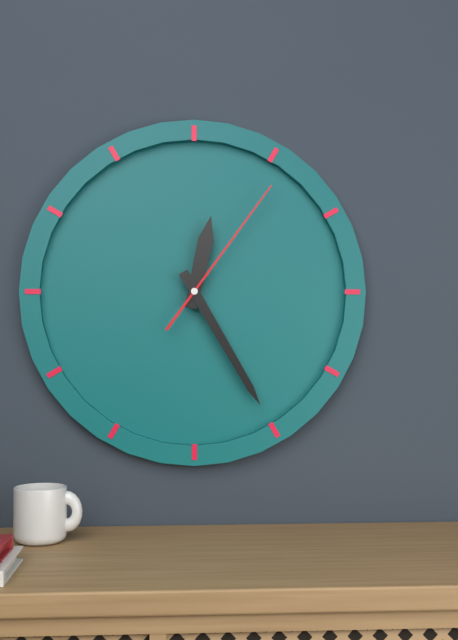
**12:25:06**
